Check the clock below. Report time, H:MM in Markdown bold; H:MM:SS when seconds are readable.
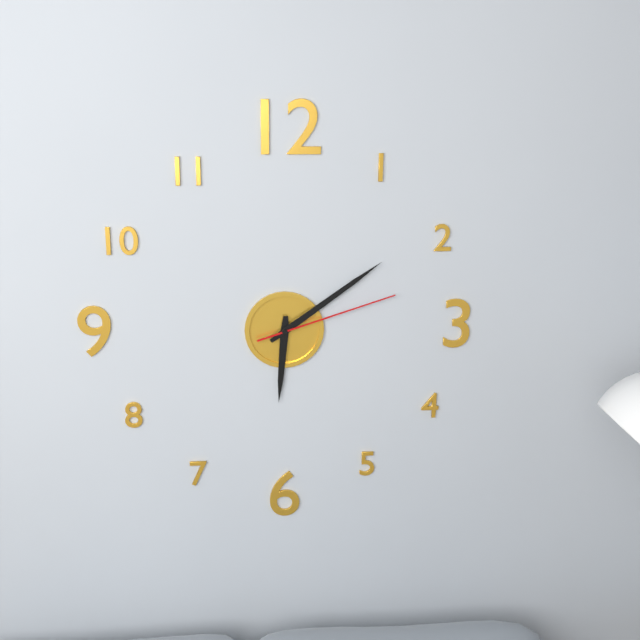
**6:09:12**
